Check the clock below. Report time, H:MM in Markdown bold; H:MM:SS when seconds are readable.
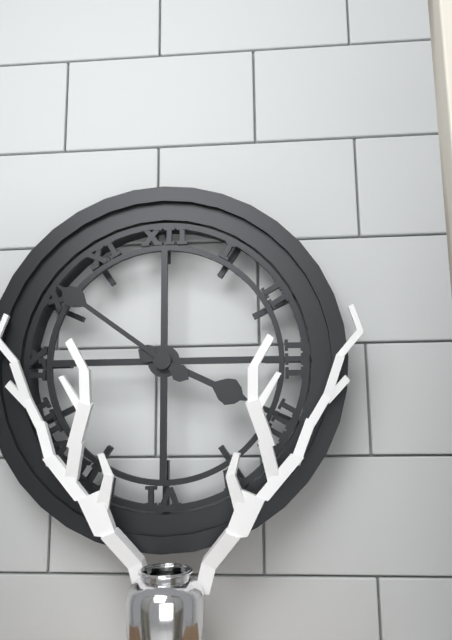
**3:51**
